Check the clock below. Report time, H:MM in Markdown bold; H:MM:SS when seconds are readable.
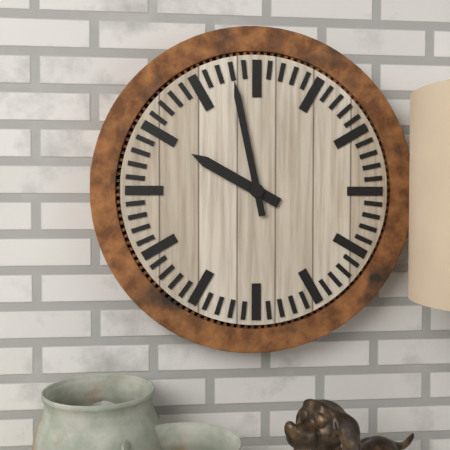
**9:58**
